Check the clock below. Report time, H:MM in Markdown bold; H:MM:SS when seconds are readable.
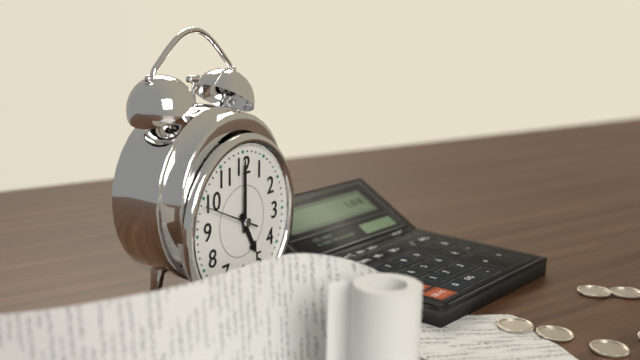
**5:00:49**
